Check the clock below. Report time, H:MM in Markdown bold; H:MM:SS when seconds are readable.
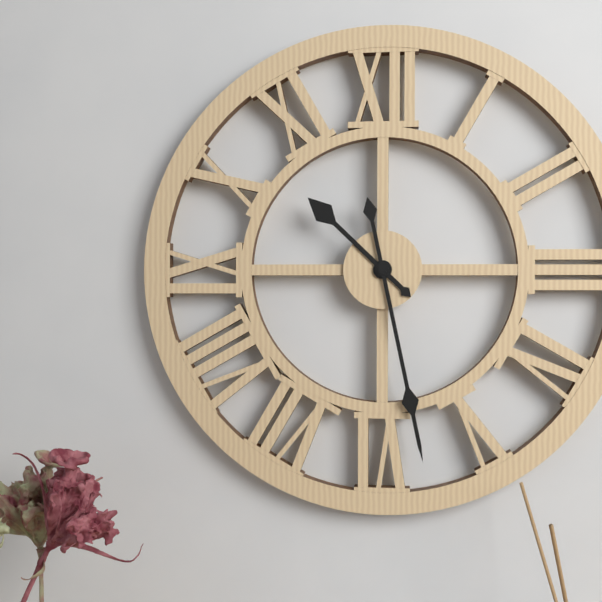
**10:28**
